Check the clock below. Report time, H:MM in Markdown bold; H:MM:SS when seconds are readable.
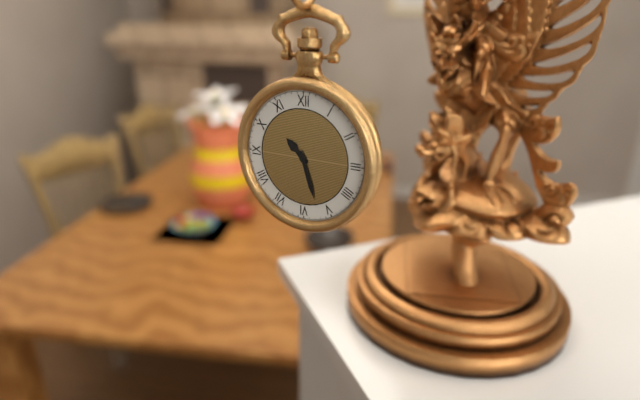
**10:27**
